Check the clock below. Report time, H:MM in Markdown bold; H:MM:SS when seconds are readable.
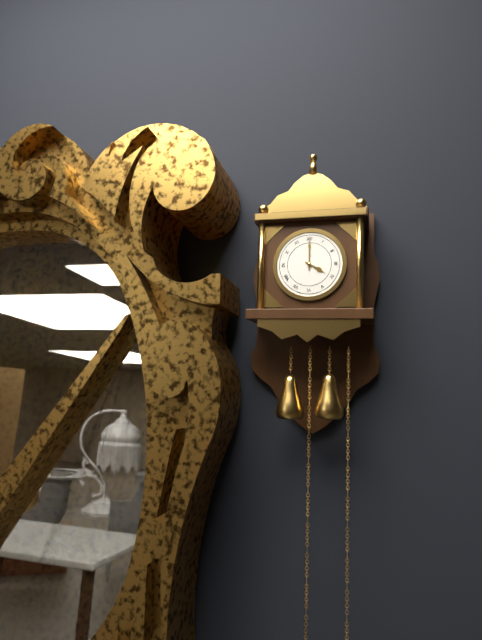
**4:00**
